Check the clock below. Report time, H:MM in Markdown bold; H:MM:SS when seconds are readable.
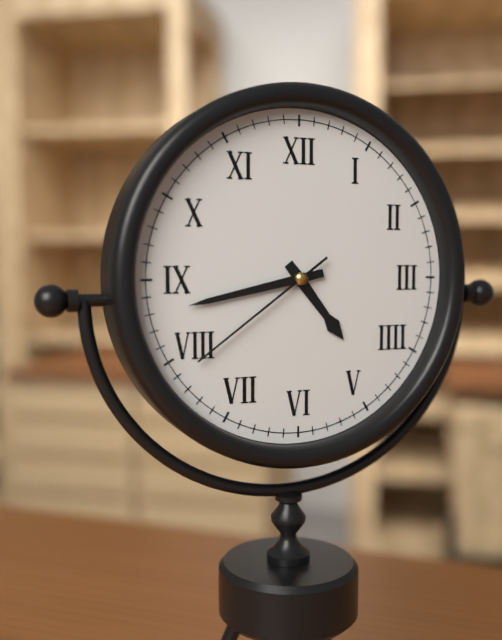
**4:43:39**
